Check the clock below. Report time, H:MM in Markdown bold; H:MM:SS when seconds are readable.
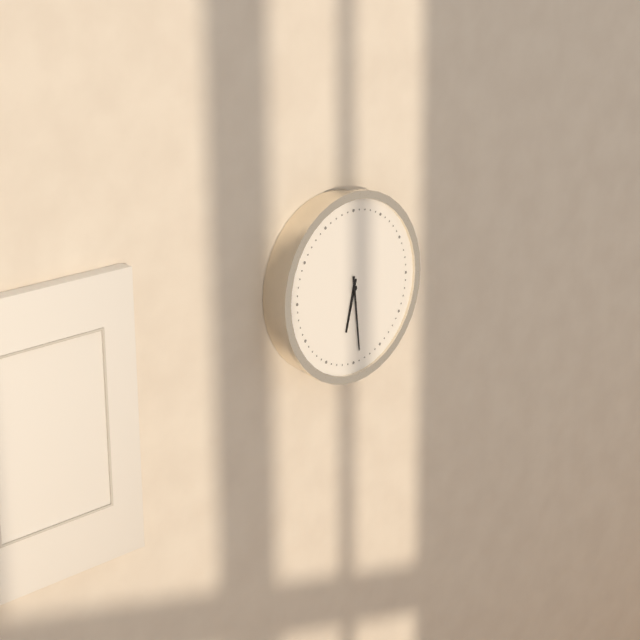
**6:29**
